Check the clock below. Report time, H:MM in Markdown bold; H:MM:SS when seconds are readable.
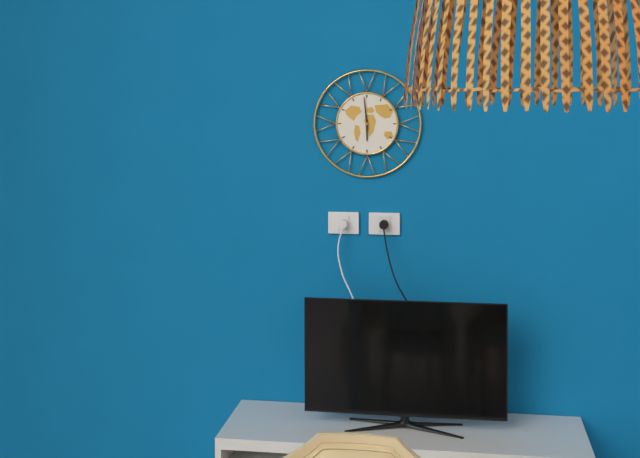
**5:59**
